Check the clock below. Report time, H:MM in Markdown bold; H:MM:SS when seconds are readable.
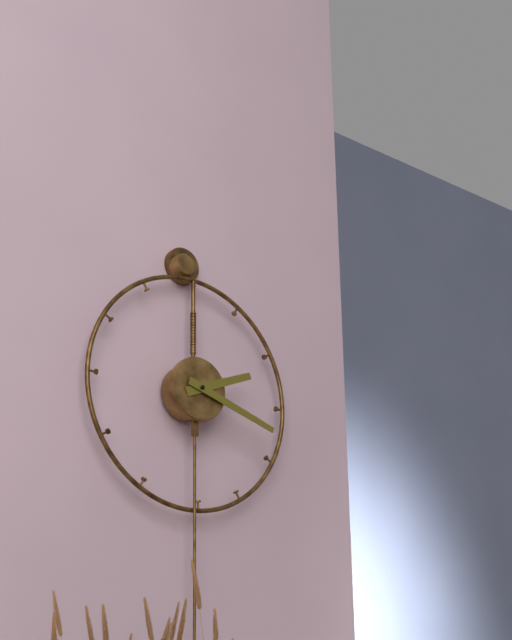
**2:18**
